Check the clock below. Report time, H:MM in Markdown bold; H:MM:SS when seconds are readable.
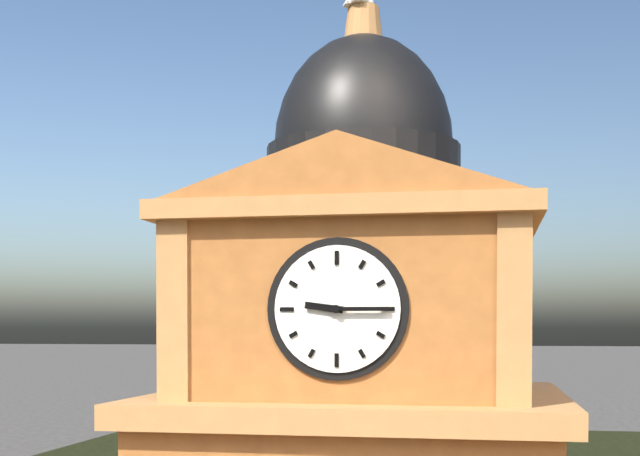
**9:15**
